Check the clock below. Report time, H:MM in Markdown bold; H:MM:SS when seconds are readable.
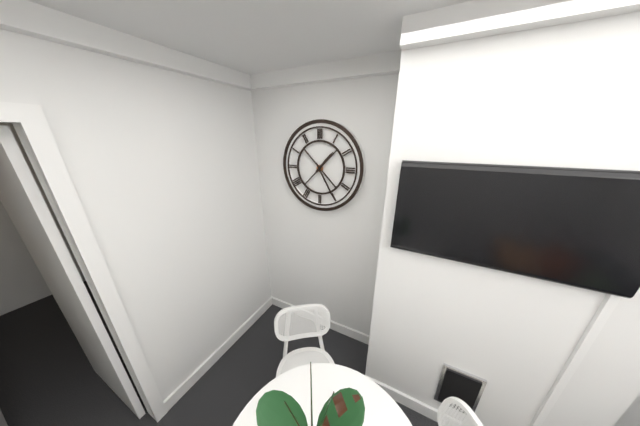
**1:25**
